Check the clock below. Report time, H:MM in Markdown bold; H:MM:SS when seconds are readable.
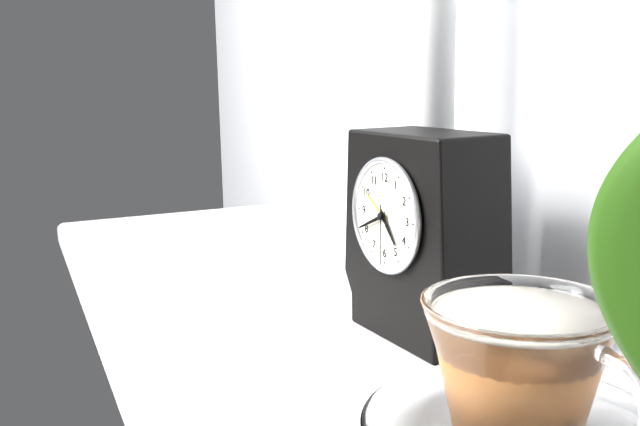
**4:41:30**
